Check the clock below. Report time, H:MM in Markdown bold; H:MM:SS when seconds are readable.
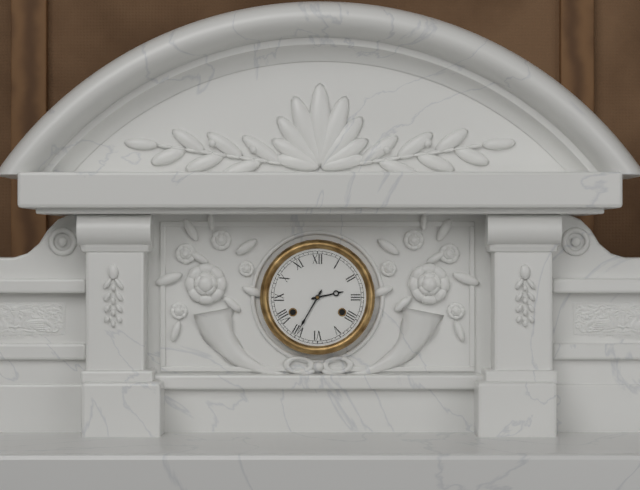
**2:35**
